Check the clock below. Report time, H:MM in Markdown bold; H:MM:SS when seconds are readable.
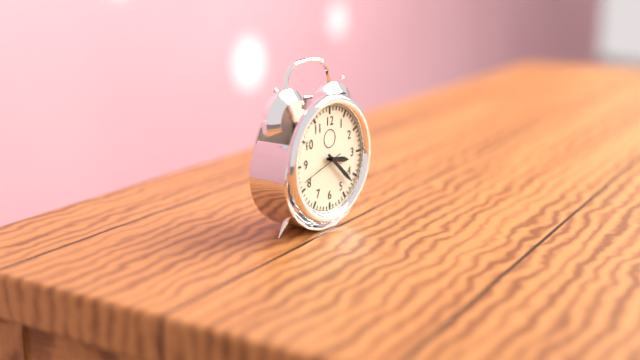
**3:22**
